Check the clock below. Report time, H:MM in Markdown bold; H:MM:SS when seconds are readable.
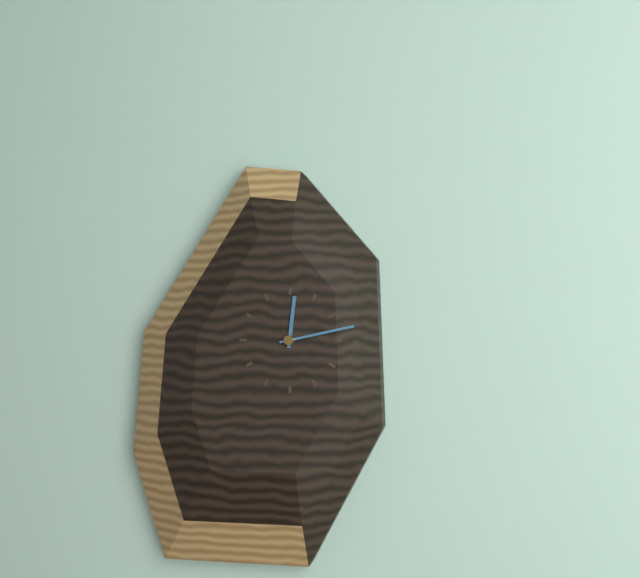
**12:13**
